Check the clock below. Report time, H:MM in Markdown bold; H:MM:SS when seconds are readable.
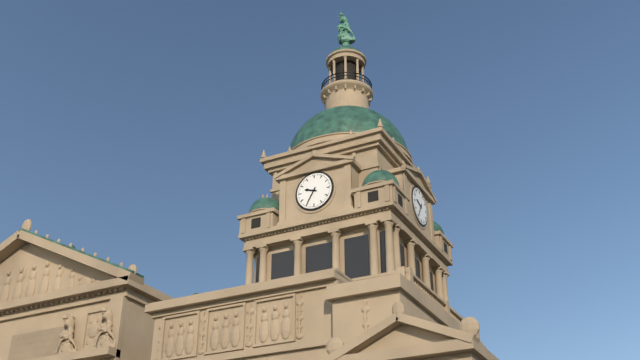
**9:35**
